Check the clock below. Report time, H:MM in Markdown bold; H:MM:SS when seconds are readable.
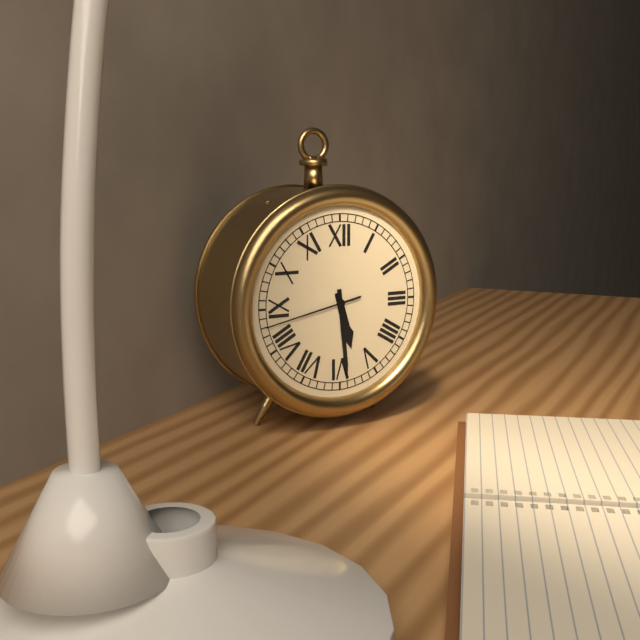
**5:29:43**
